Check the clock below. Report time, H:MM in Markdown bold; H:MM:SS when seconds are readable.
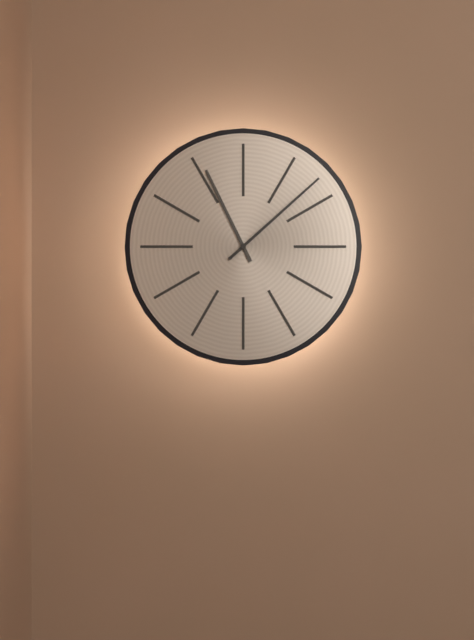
**11:08**
